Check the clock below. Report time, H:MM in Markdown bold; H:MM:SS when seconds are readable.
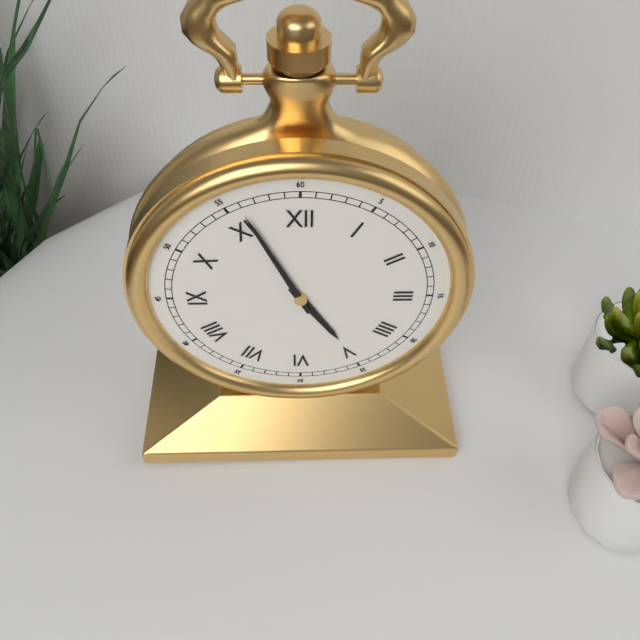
**4:56**
